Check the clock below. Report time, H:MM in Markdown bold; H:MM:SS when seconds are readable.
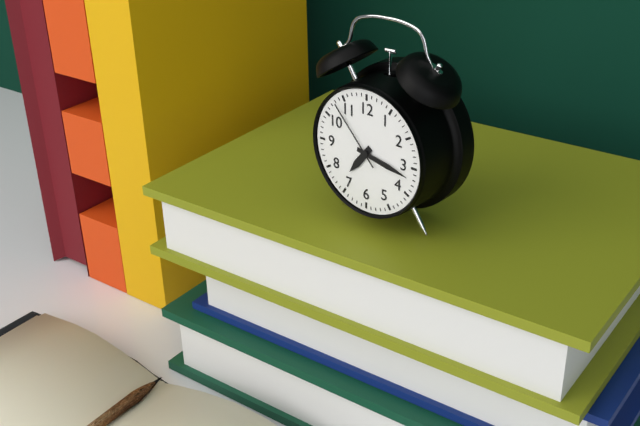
**7:17:53**
